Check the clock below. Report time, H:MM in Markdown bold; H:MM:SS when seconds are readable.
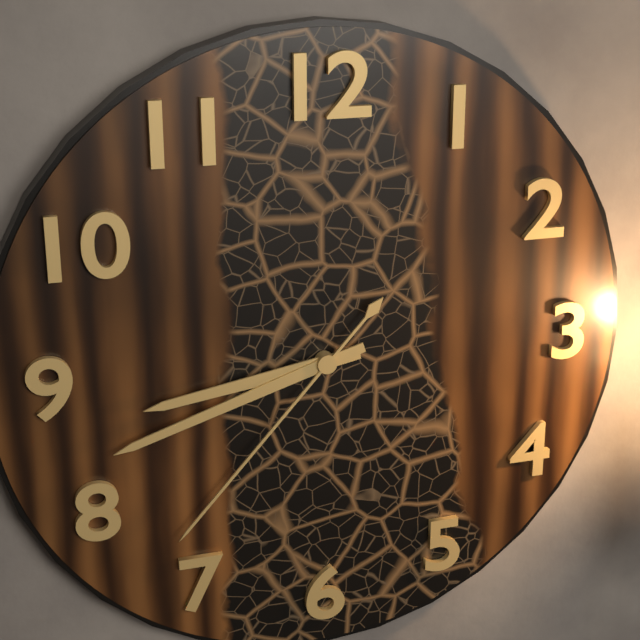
**8:42:37**
